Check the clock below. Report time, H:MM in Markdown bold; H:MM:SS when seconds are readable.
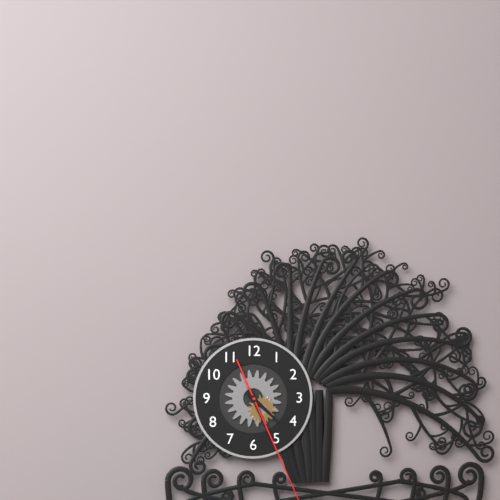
**4:26**
